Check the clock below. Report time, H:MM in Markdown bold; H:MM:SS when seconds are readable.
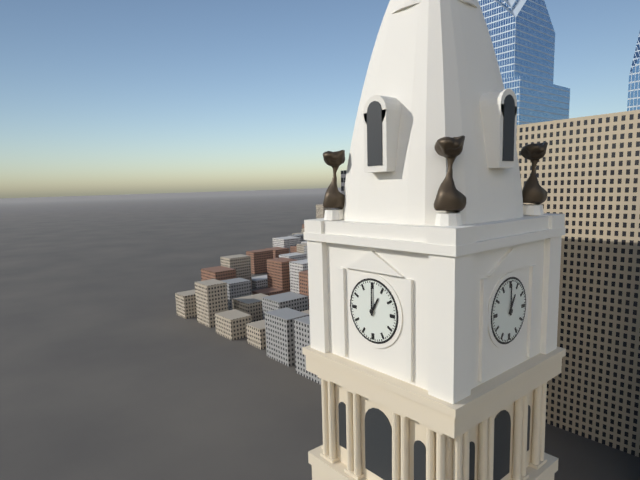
**1:00**
